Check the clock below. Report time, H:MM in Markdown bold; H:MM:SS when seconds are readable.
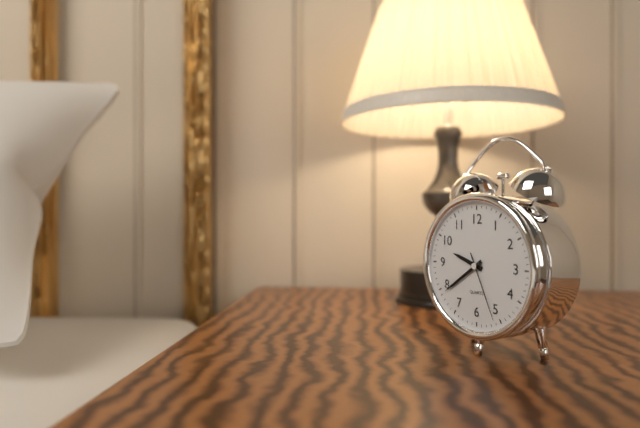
**9:39:26**
